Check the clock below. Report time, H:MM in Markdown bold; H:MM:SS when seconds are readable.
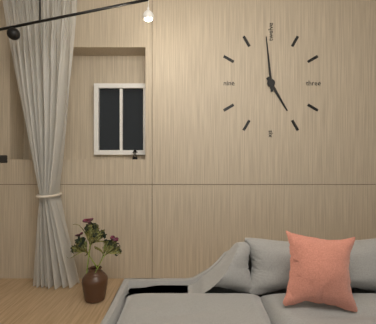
**4:59**
